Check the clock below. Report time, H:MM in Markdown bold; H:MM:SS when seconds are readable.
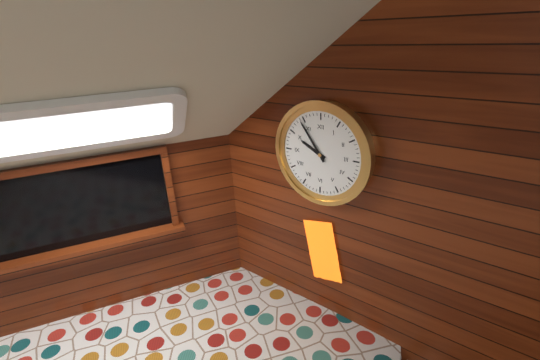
**9:54**
